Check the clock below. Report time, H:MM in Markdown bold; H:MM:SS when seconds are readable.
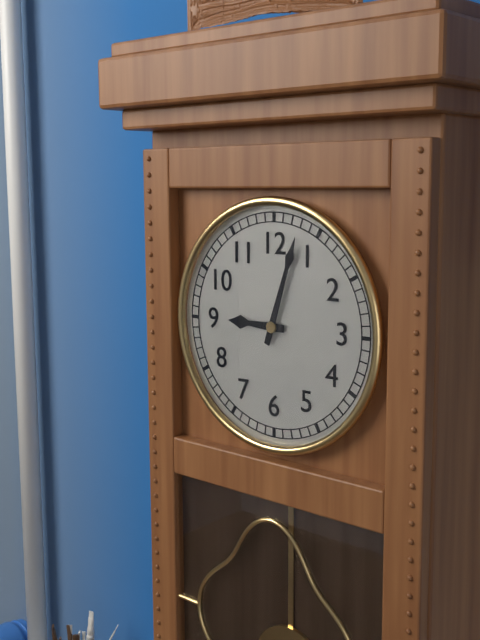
**9:03**
